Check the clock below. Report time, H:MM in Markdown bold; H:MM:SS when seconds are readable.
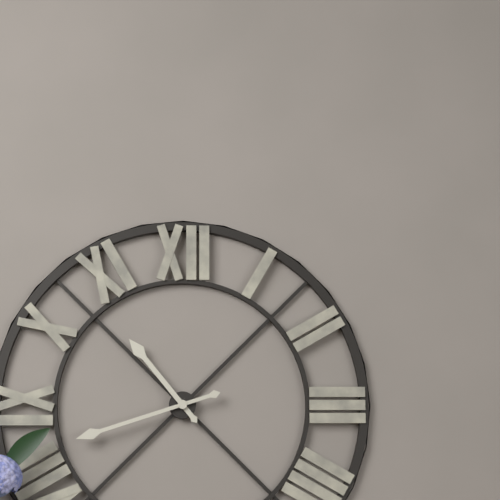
**10:42**
